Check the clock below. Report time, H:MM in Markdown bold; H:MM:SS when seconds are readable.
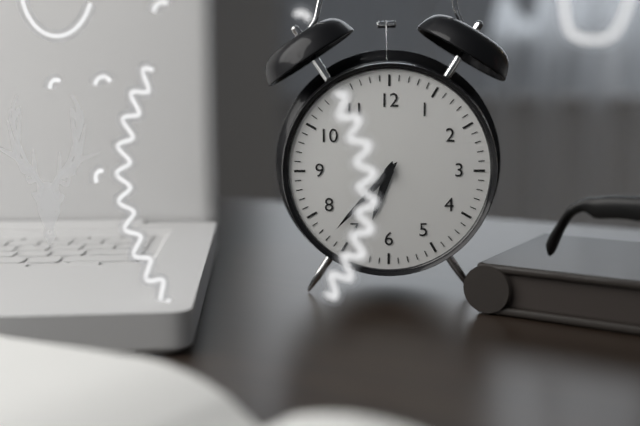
**6:37**
